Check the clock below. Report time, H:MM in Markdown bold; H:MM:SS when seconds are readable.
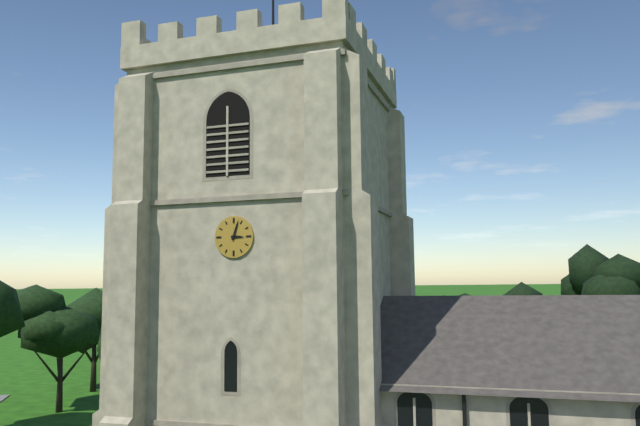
**3:03**
